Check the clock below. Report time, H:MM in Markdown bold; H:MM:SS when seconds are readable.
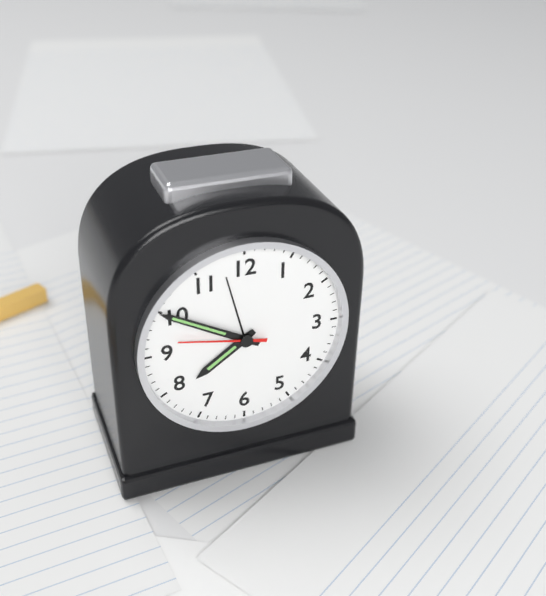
**7:50:47**
